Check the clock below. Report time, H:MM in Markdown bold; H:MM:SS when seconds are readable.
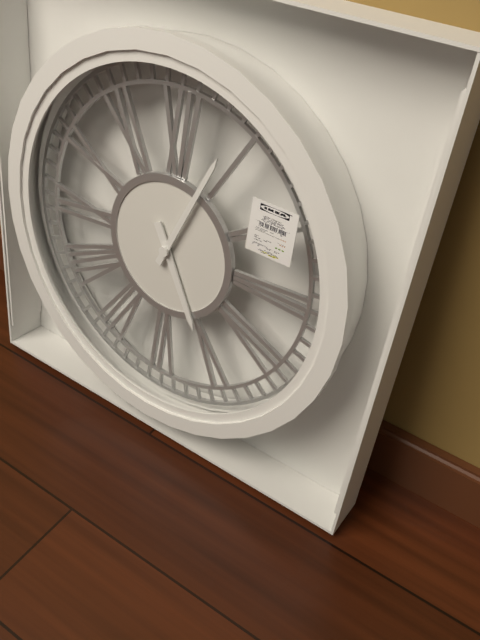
**5:04**
